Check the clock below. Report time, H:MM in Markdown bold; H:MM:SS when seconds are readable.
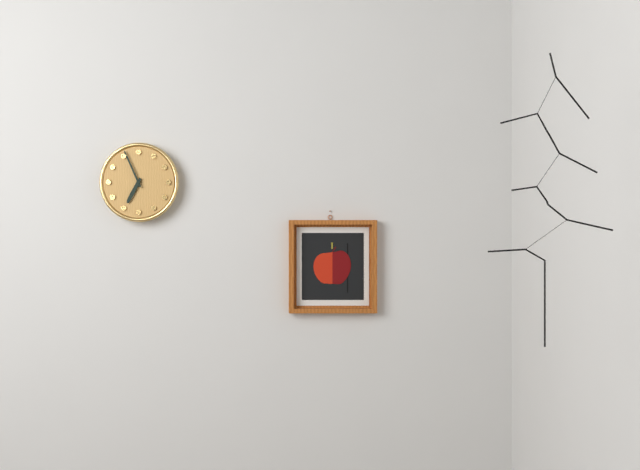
**6:56**
